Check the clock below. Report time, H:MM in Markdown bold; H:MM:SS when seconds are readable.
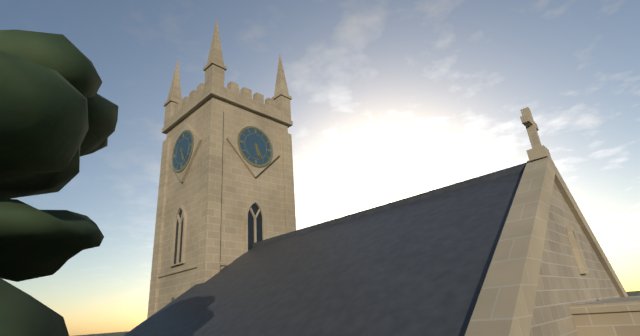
**5:25**
